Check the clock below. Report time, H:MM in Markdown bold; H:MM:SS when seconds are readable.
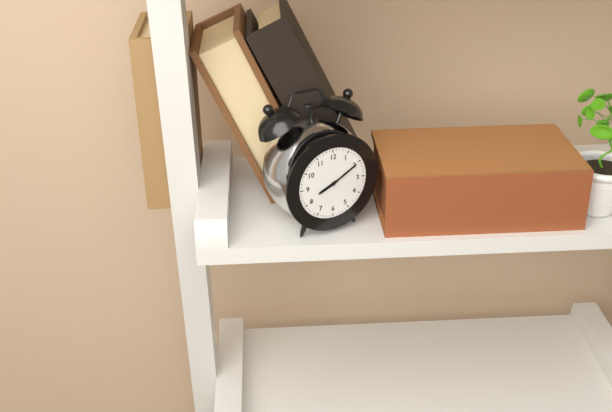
**8:10**
